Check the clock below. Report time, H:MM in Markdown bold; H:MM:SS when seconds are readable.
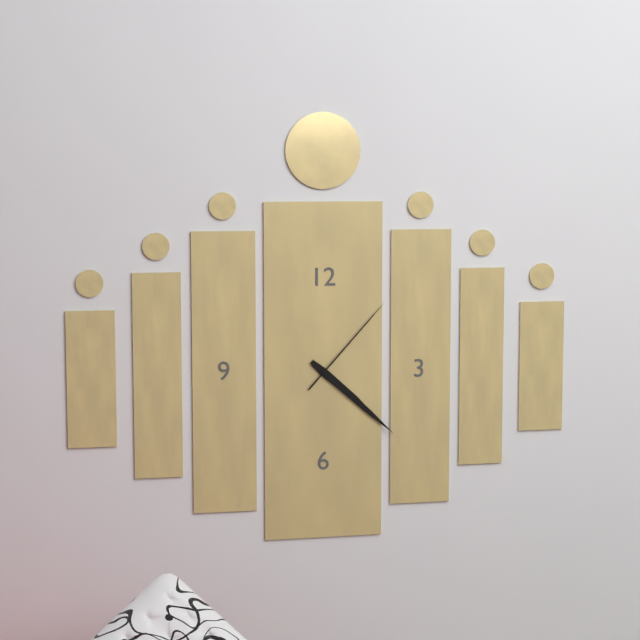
**4:22:07**
